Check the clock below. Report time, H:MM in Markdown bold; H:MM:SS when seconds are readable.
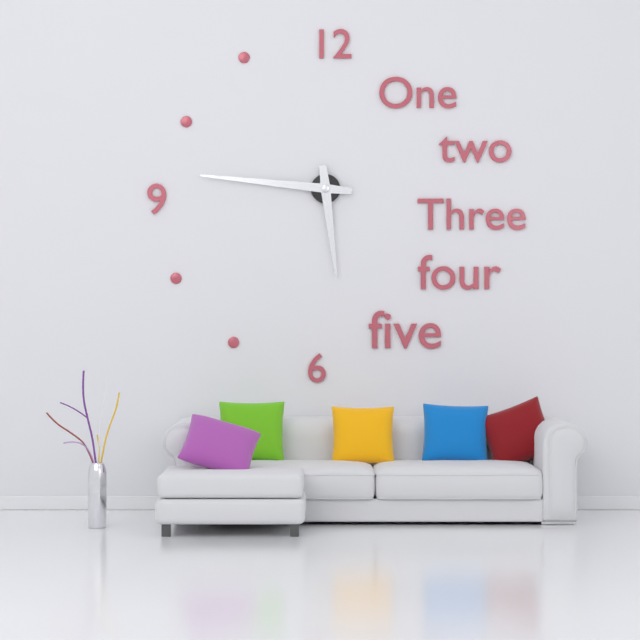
**5:46**
